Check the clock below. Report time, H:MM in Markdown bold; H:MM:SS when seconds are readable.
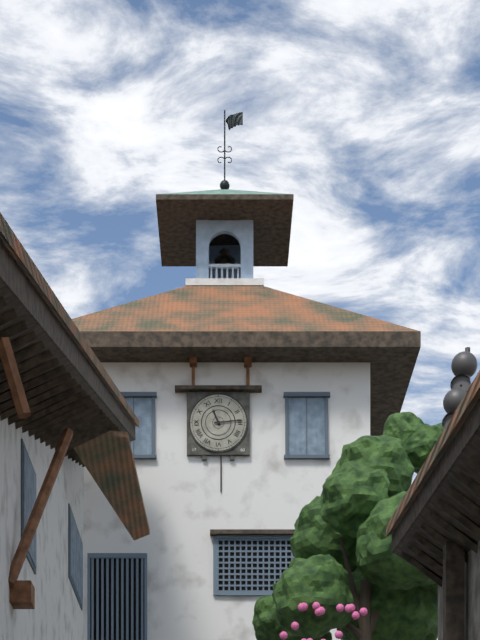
**11:14**
